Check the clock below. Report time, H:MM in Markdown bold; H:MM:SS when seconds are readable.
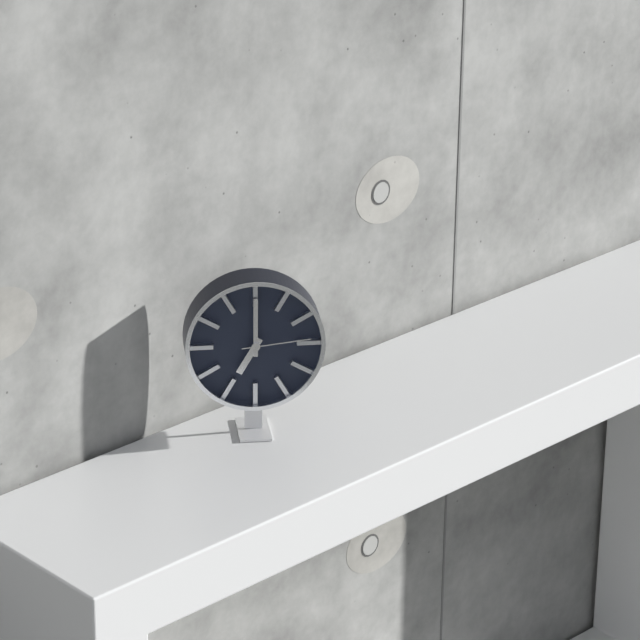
**7:00:14**
